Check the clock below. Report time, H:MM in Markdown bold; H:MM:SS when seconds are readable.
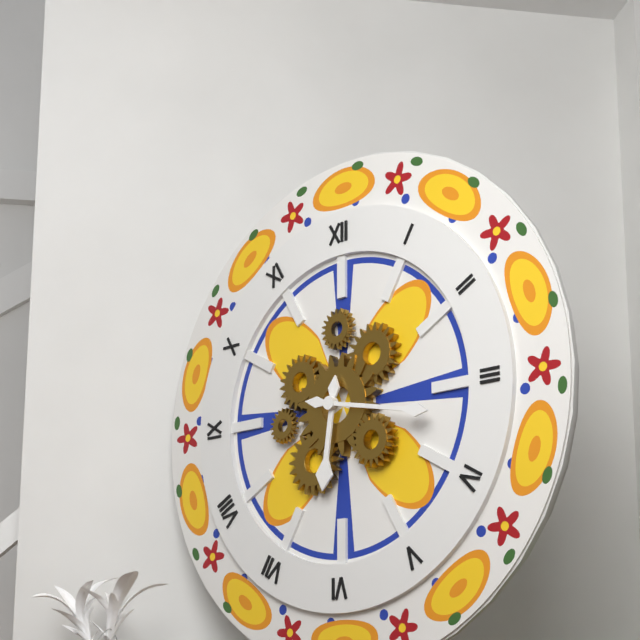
**6:17**
